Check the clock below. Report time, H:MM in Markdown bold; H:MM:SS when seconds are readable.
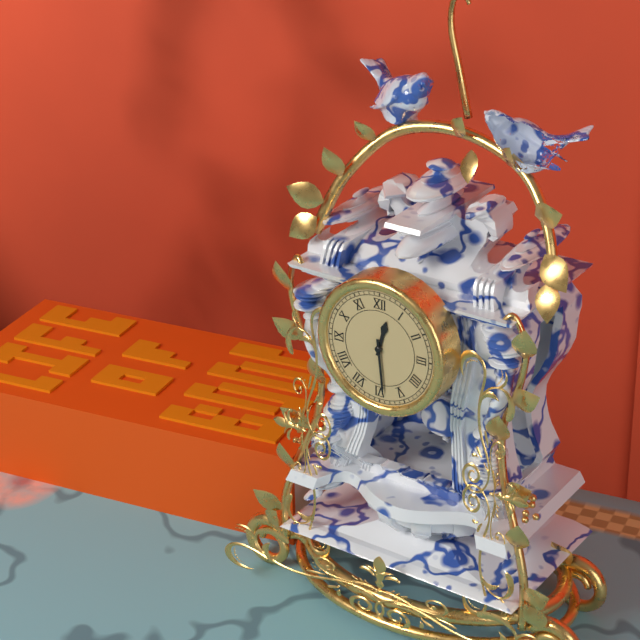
**12:29**
